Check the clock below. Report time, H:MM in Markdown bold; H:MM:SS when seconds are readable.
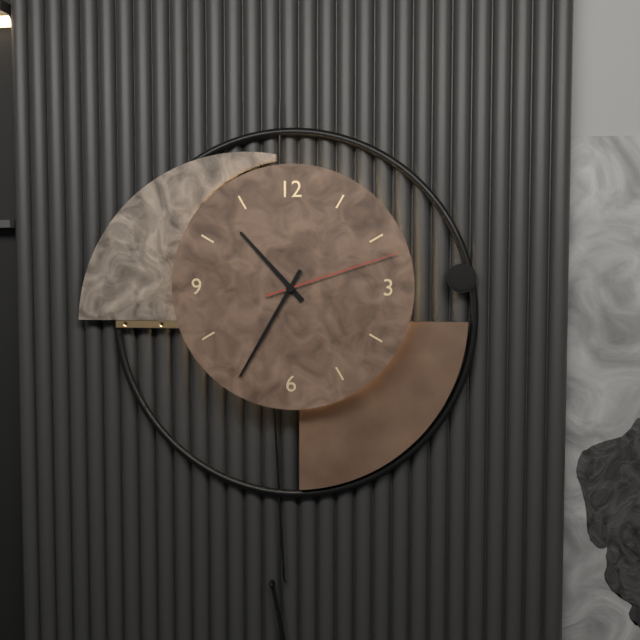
**10:35:12**
